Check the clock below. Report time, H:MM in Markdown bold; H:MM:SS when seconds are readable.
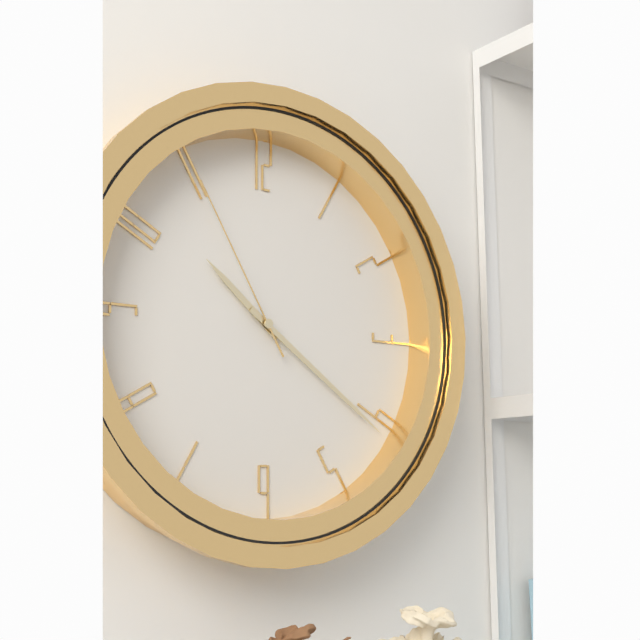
**10:21:55**
